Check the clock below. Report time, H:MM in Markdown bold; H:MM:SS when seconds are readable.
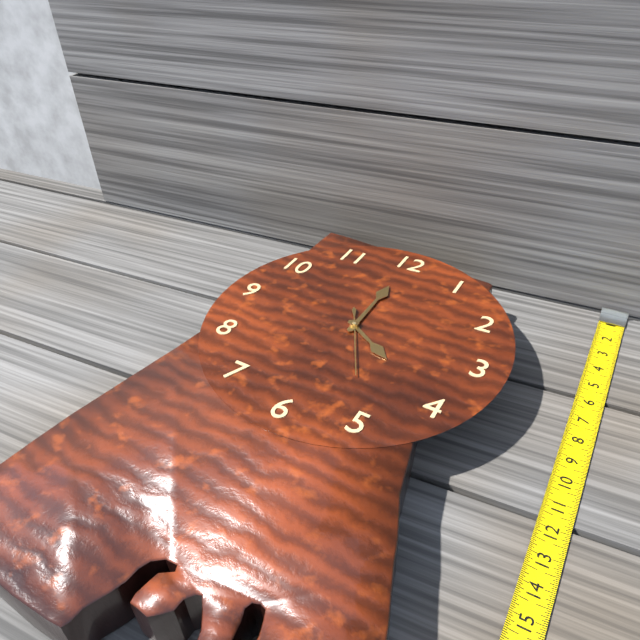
**4:00:25**
